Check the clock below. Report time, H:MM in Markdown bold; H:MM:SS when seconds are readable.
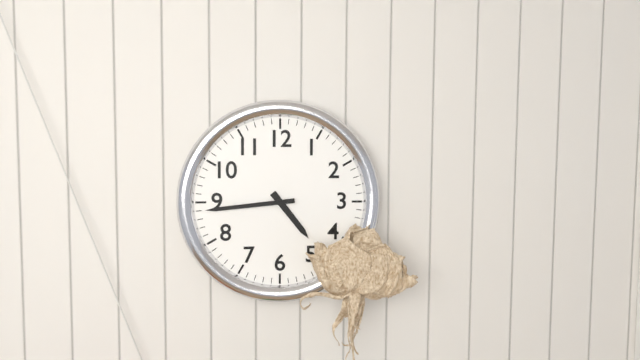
**4:44**
